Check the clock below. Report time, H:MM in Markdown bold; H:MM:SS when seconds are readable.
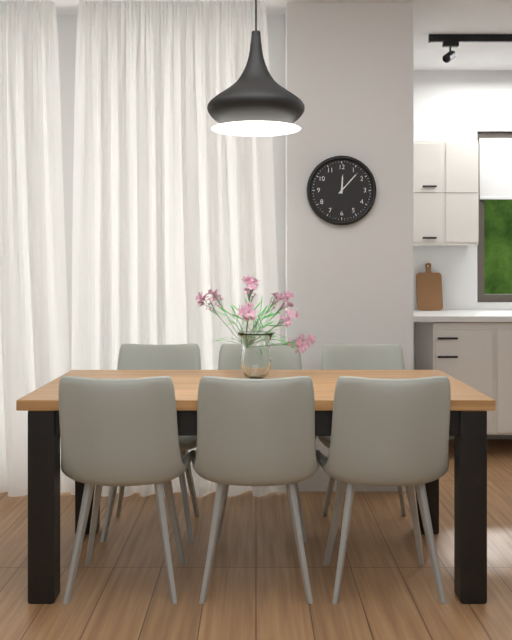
**12:07**
